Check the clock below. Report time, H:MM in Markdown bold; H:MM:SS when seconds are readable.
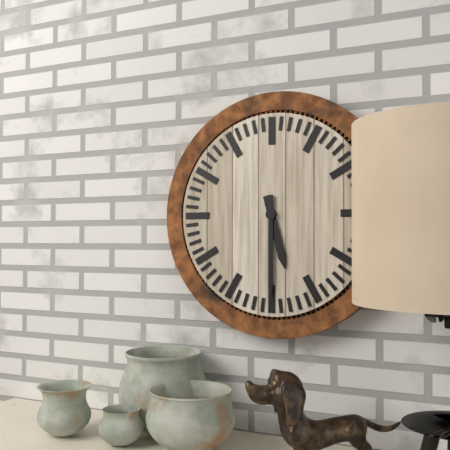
**5:30**
